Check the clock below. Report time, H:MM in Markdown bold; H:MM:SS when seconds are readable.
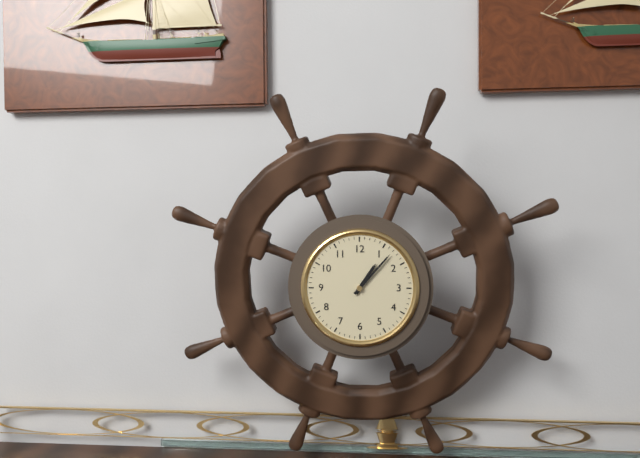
**1:07**
